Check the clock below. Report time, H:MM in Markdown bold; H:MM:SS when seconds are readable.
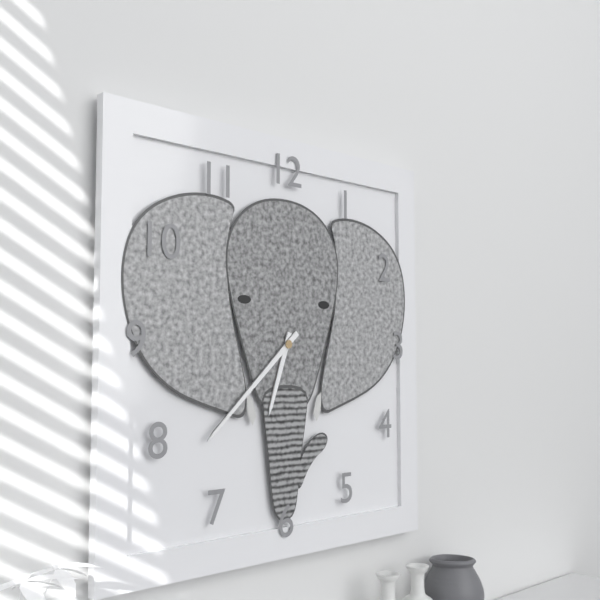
**6:38**
